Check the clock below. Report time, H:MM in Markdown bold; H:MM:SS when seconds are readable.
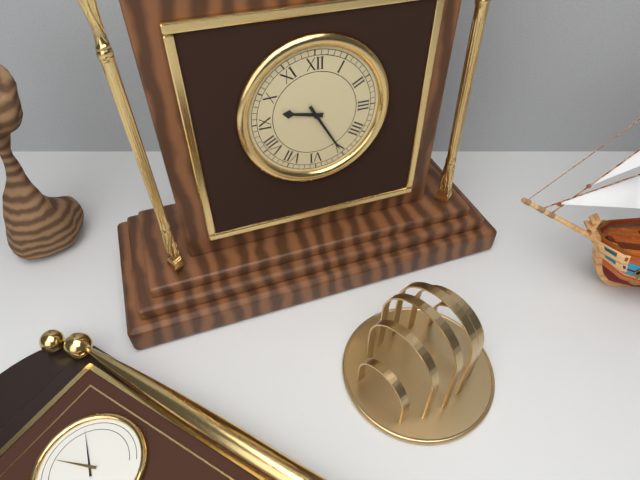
**9:25**
